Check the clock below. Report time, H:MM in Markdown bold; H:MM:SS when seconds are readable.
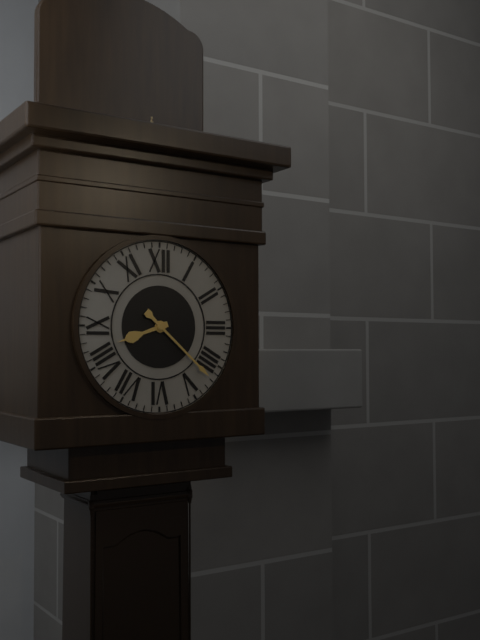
**8:22**
